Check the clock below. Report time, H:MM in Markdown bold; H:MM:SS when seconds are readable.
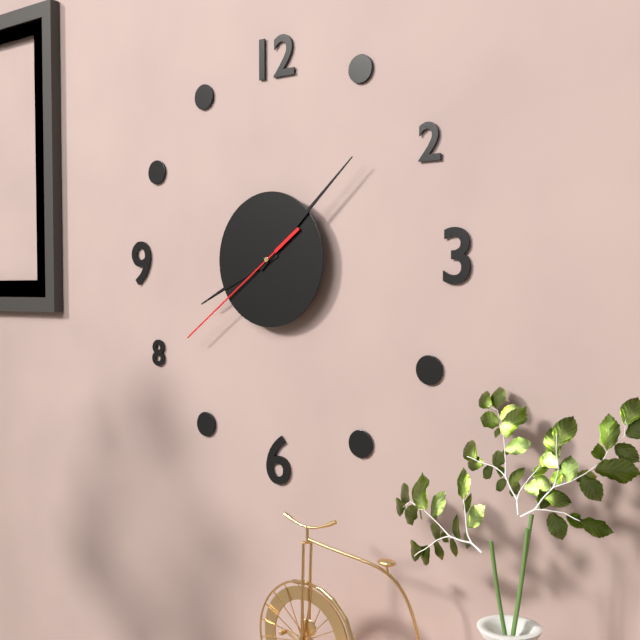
**8:08:39**
